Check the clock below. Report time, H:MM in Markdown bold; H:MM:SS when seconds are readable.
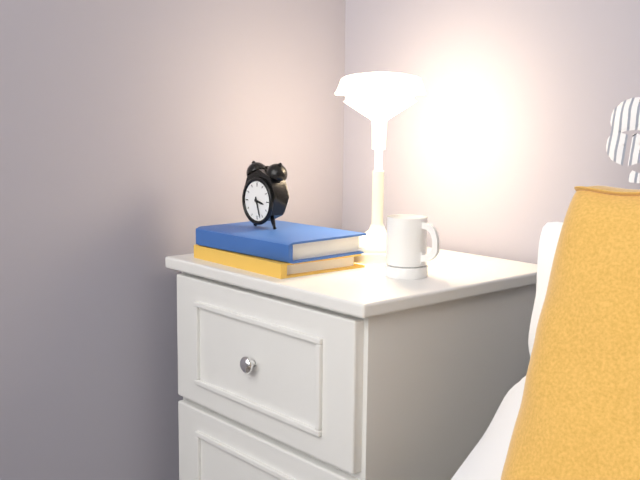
**3:27**
